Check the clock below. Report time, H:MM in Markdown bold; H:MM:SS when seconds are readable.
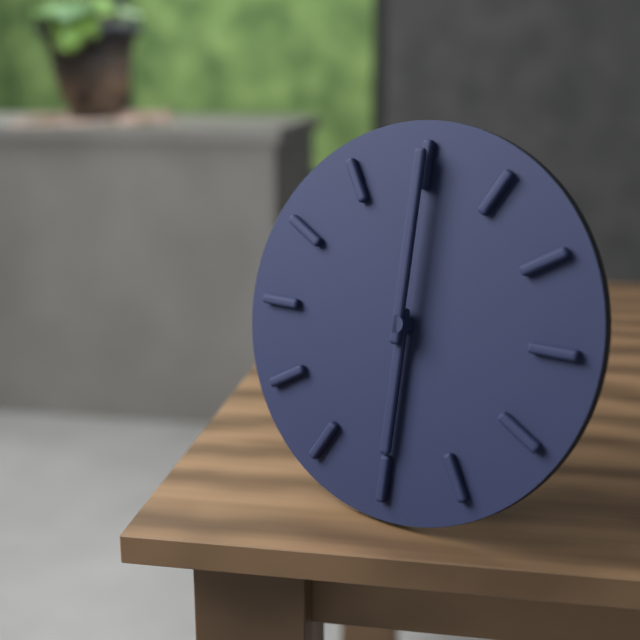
**6:00**
